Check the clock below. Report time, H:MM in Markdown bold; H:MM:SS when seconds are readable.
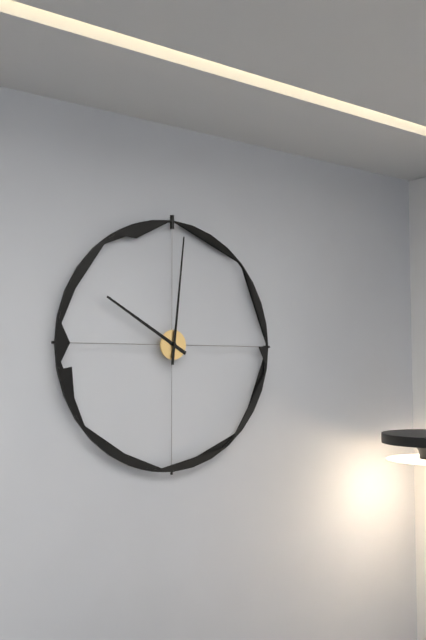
**10:01**
